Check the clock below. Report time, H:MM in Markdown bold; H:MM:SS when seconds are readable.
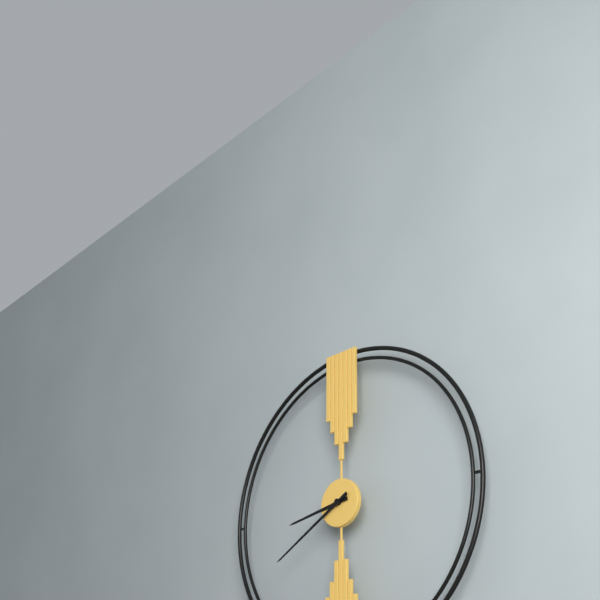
**8:40**
